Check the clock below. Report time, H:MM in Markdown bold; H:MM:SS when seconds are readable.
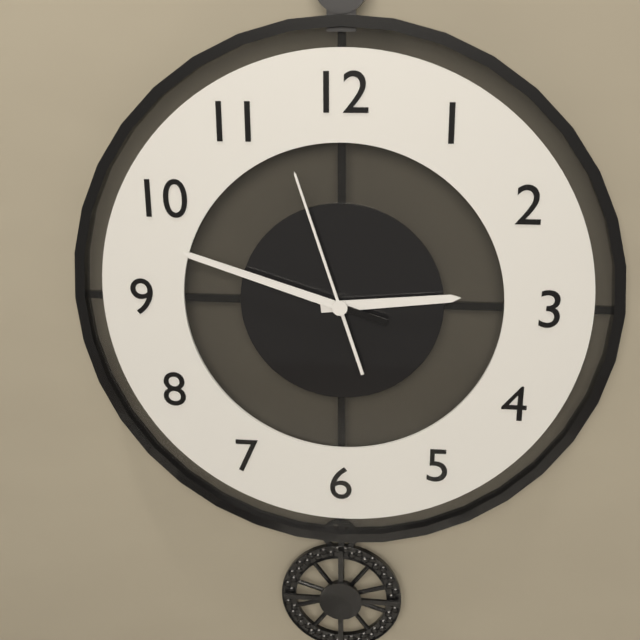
**2:48:57**
